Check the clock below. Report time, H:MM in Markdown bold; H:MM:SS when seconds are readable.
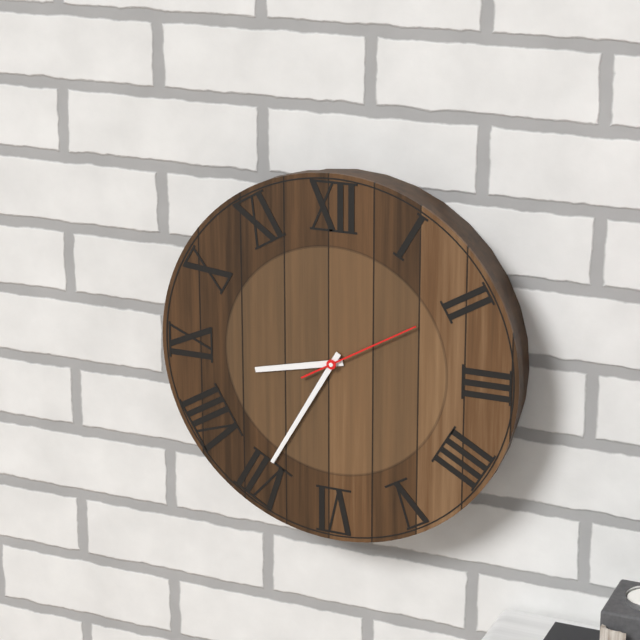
**8:35:10**
